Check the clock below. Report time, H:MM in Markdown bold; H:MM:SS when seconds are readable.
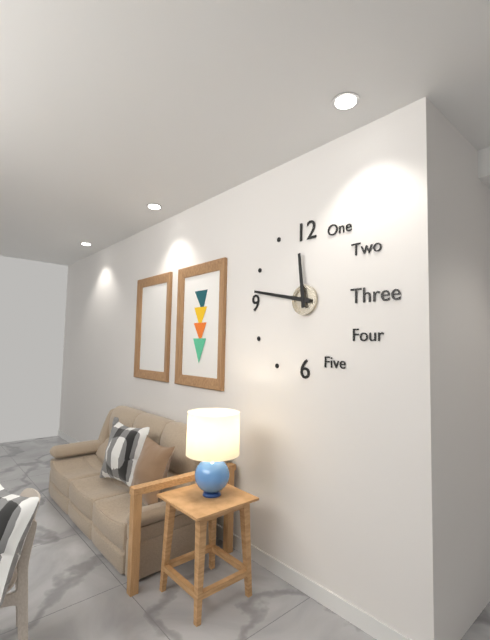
**11:47**
